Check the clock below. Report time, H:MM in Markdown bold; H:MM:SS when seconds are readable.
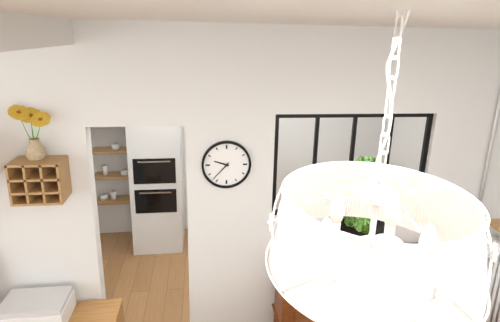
**9:37**
